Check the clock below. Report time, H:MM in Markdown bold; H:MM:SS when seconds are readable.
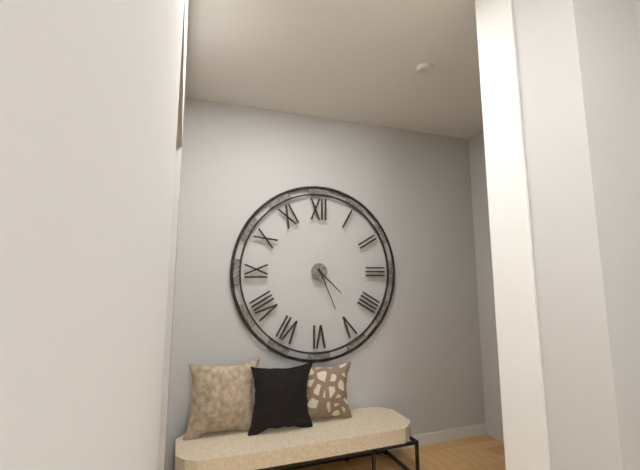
**4:26**
